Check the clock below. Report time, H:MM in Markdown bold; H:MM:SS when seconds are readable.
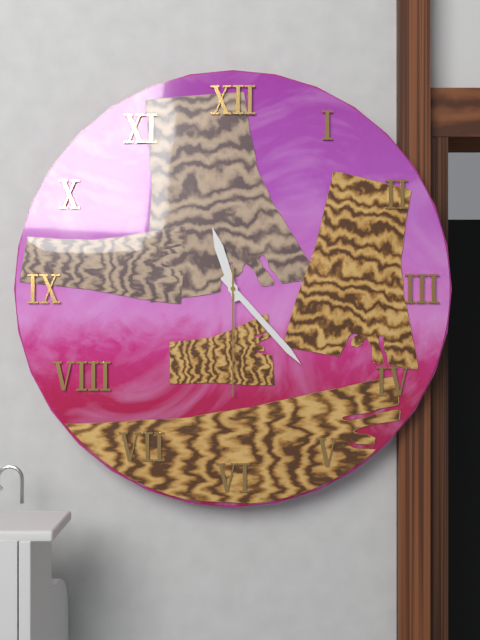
**11:23:30**
